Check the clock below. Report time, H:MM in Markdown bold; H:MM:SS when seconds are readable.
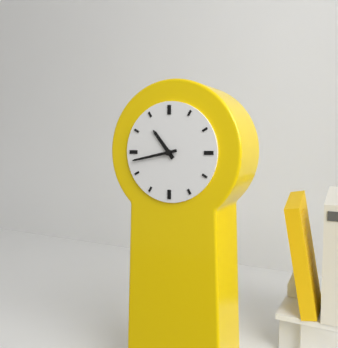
**10:43**
